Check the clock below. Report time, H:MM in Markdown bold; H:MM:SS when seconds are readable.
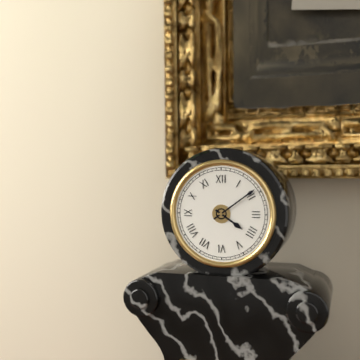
**4:09**
